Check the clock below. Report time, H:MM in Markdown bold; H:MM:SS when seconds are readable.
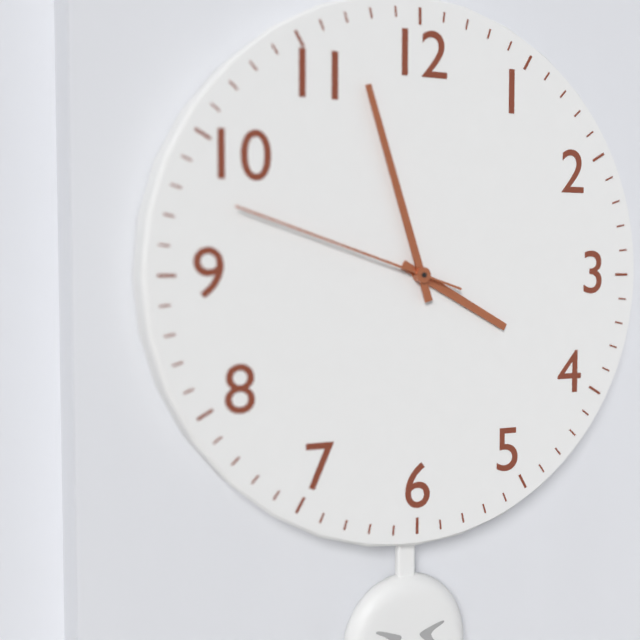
**3:57:48**
